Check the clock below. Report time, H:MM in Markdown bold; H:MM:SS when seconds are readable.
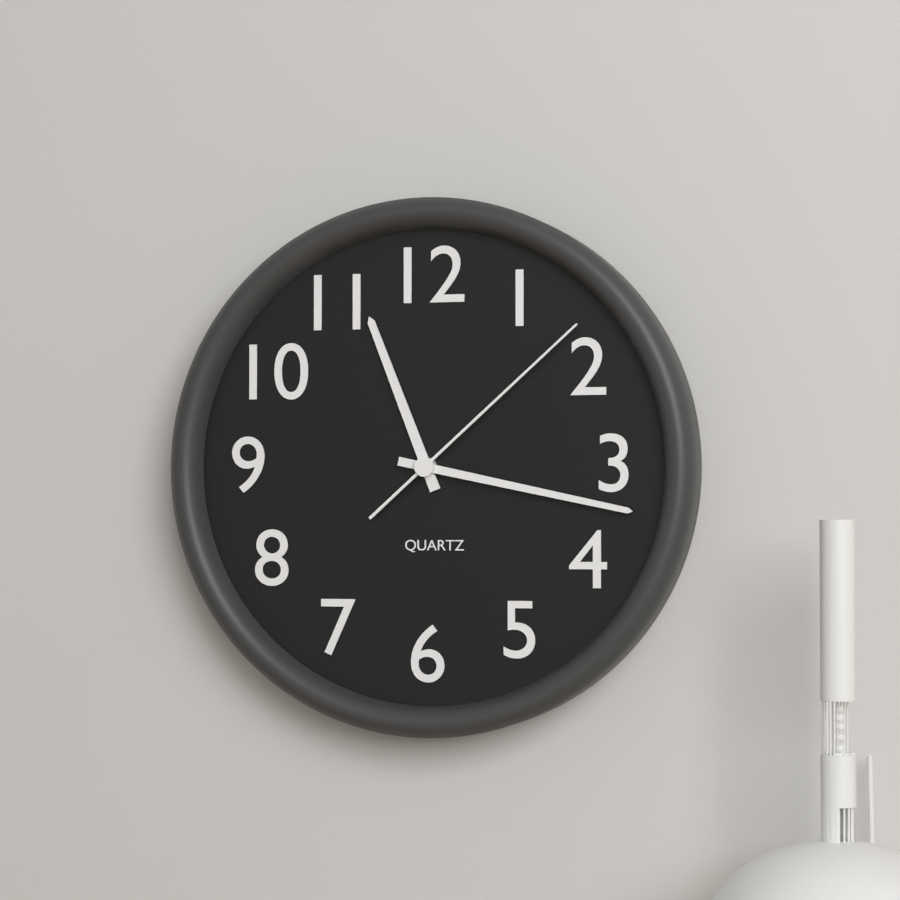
**11:17:08**
